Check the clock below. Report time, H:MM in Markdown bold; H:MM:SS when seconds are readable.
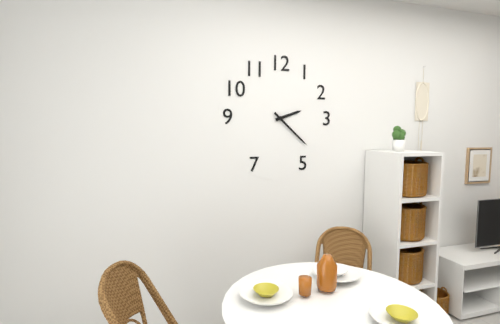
**2:22**
